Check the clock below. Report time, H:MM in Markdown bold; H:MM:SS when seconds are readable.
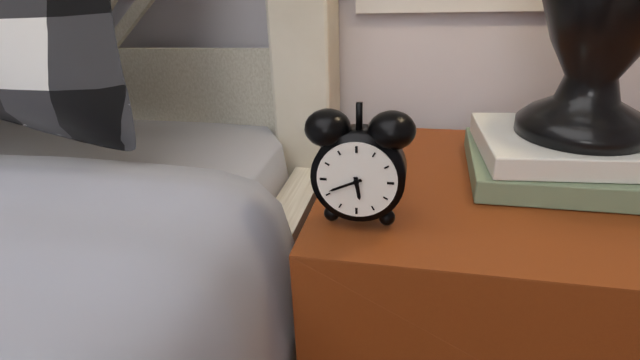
**5:41**
